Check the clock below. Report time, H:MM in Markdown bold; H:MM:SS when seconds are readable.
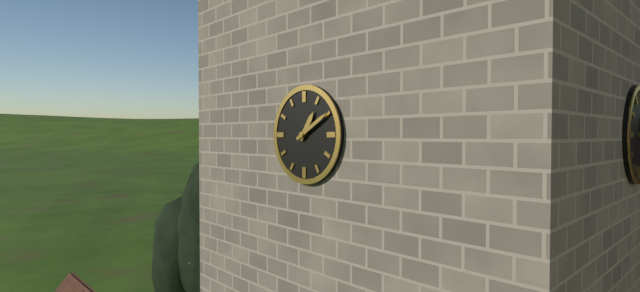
**1:10**
